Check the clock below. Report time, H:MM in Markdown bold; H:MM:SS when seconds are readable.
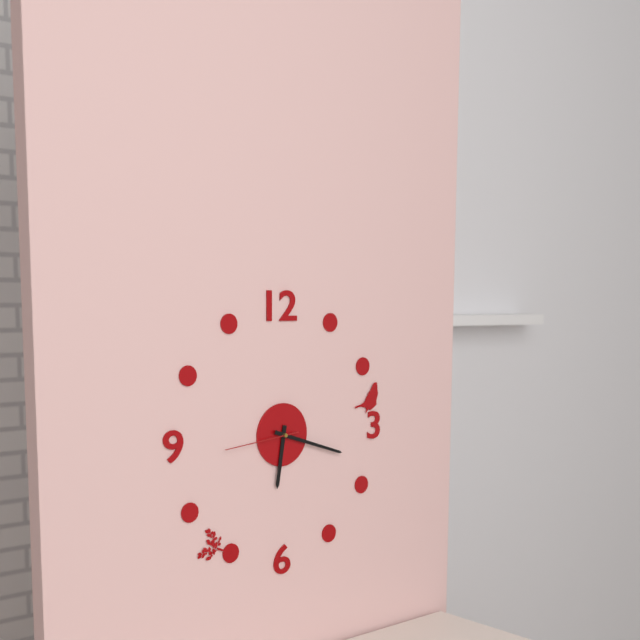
**6:18:44**
